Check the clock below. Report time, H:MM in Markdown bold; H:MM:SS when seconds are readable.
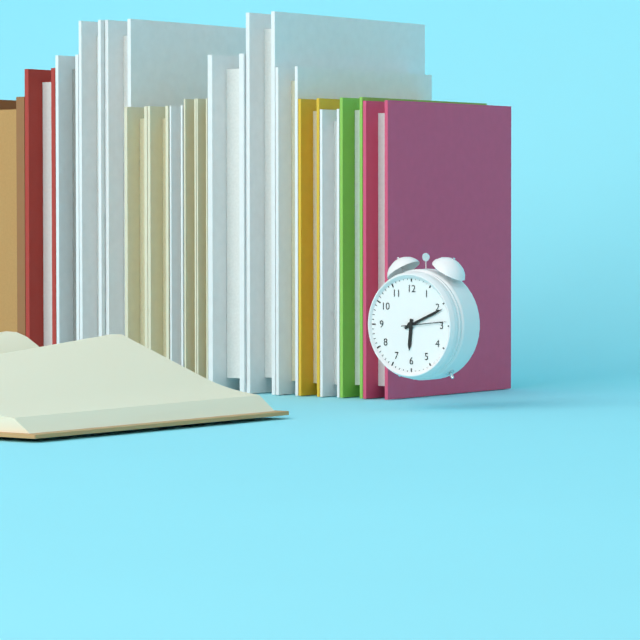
**6:11**
